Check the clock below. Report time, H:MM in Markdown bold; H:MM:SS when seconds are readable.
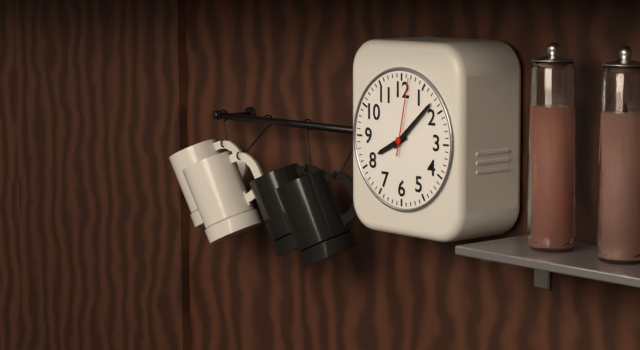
**8:08:02**
